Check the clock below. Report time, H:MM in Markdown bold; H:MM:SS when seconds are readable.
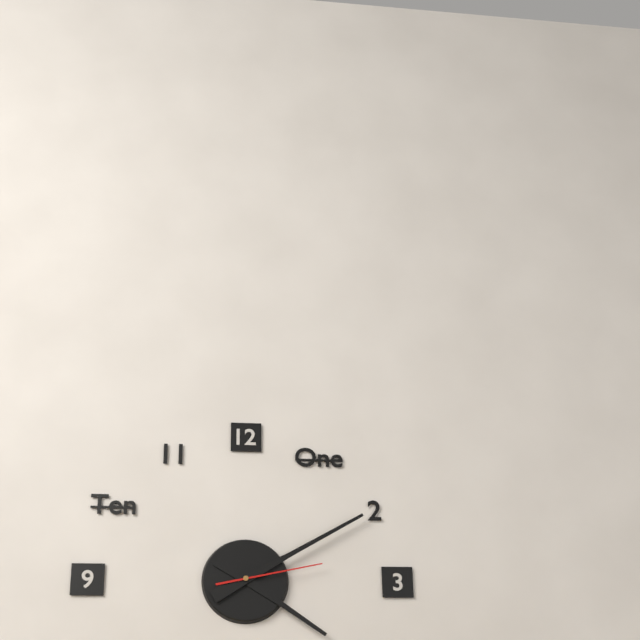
**4:10:13**
